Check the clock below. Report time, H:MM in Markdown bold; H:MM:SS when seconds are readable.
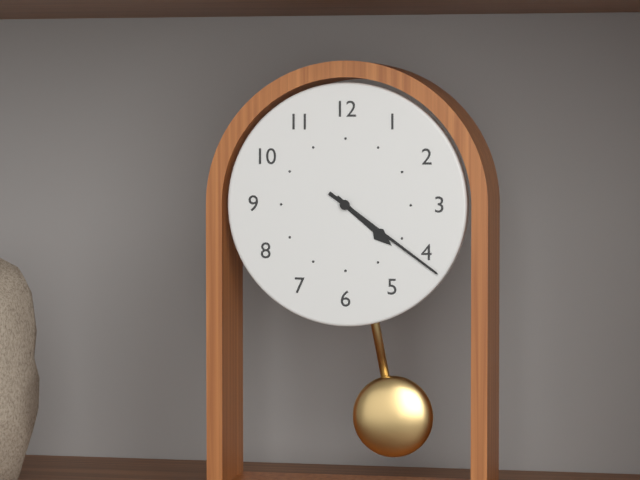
**4:21**
